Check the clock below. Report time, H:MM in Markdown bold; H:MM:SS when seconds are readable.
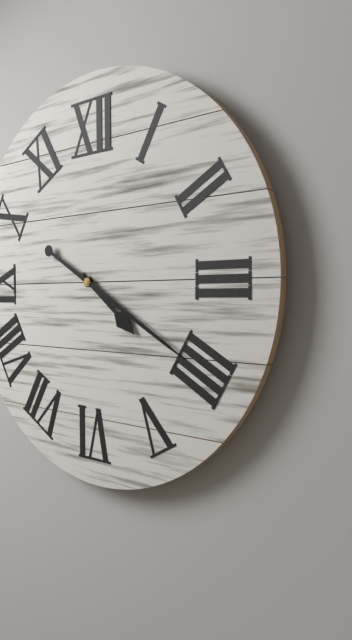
**4:20**
